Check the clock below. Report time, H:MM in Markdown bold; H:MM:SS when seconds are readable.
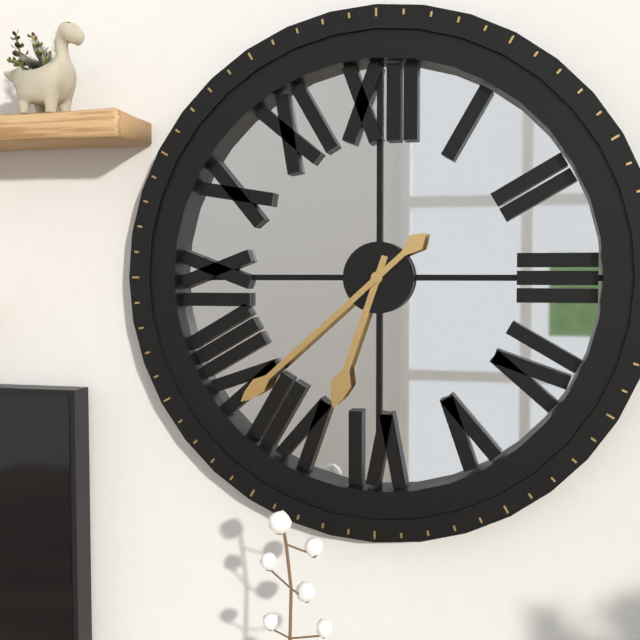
**6:38**
